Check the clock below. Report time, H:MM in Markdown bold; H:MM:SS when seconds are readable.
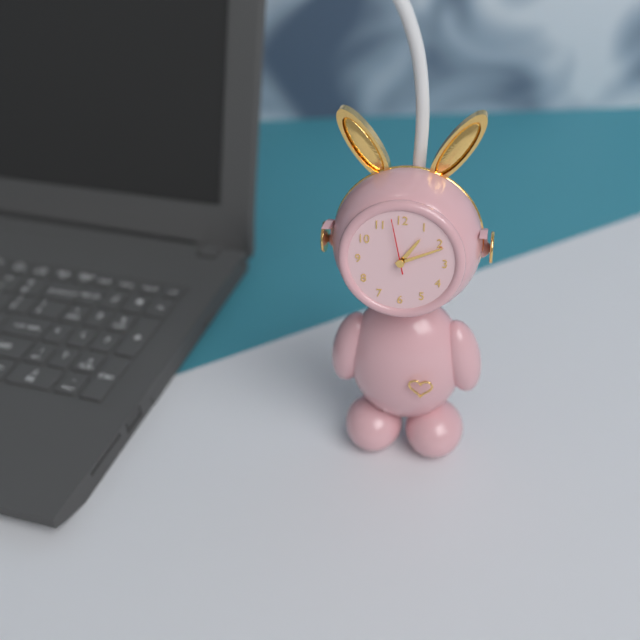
**1:11:58**
